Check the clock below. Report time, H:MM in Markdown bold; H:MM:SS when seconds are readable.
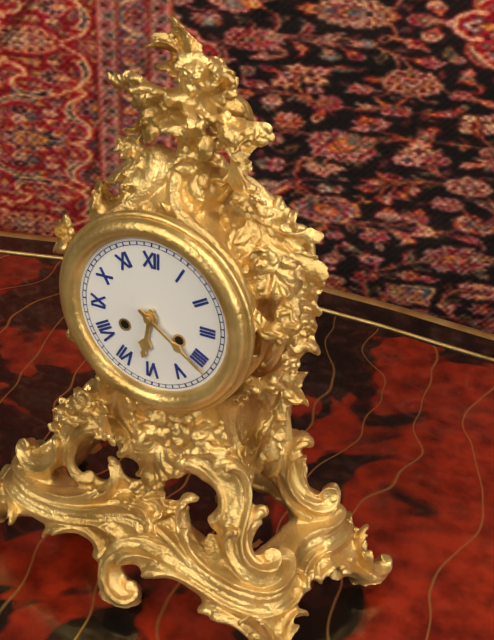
**6:21**
